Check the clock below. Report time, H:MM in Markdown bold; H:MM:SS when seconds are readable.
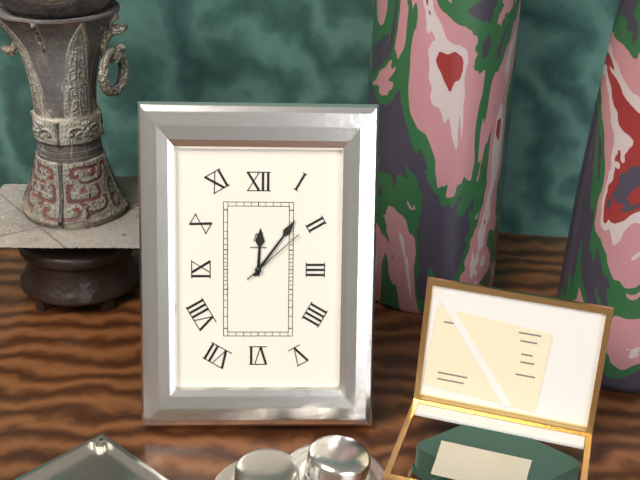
**12:06:08**
